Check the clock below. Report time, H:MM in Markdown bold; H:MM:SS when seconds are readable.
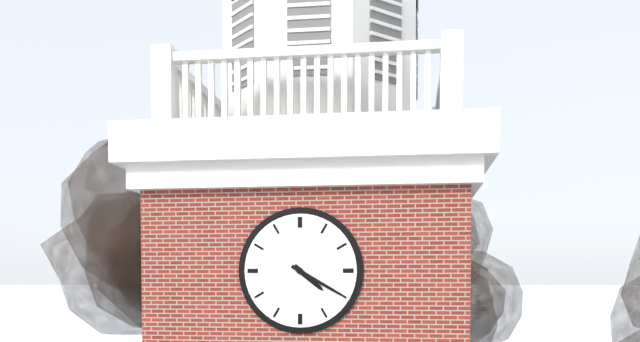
**4:20**
